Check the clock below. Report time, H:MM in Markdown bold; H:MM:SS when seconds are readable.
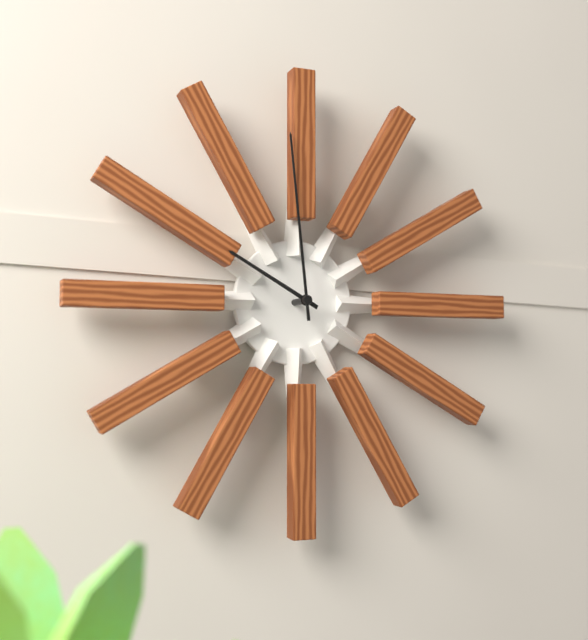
**9:59**
